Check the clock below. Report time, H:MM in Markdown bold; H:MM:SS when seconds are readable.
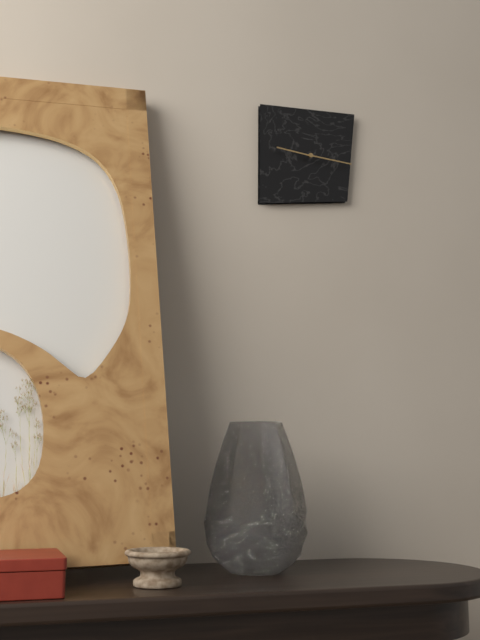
**9:16**
